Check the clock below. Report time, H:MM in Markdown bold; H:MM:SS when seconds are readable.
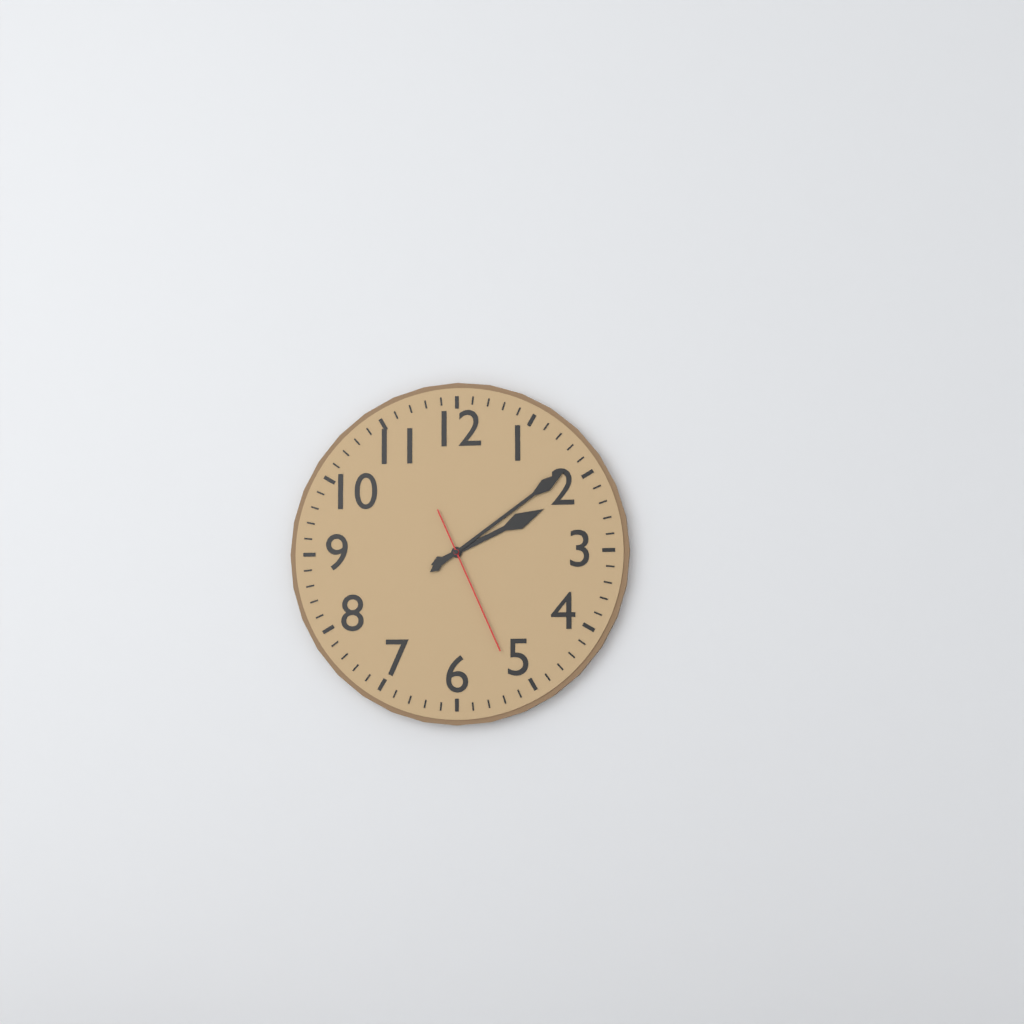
**2:09:26**
